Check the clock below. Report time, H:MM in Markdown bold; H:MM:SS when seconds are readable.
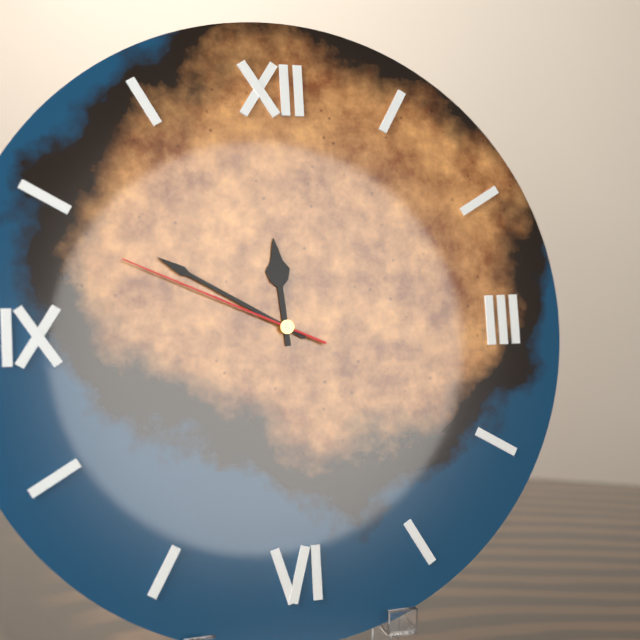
**11:50:49**
